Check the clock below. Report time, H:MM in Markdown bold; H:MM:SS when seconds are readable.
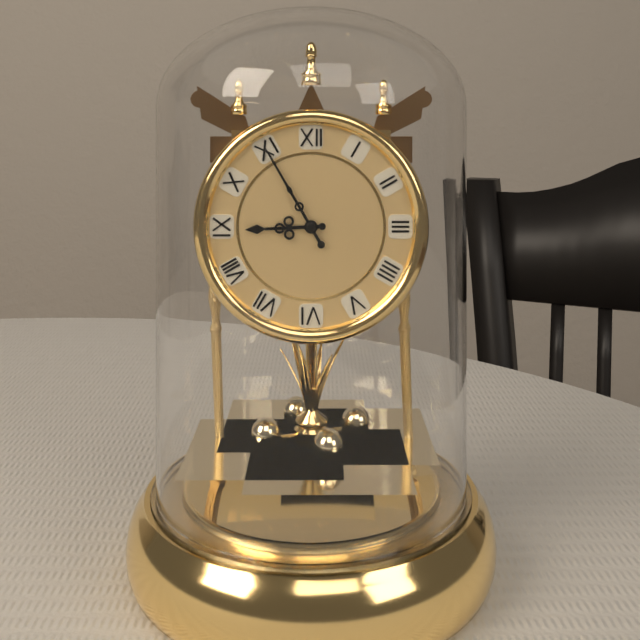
**8:55**
